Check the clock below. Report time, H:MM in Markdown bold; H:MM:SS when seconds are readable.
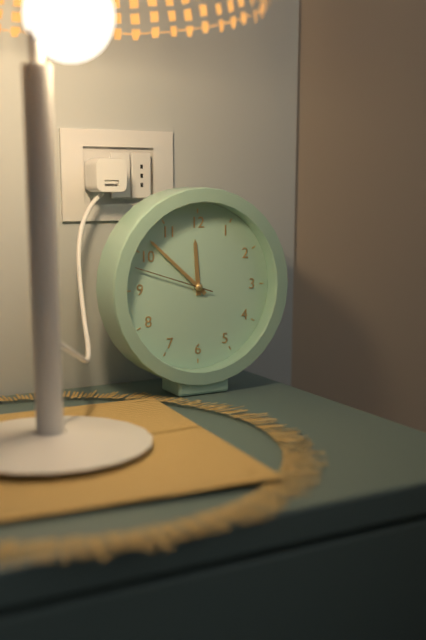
**11:52:48**
